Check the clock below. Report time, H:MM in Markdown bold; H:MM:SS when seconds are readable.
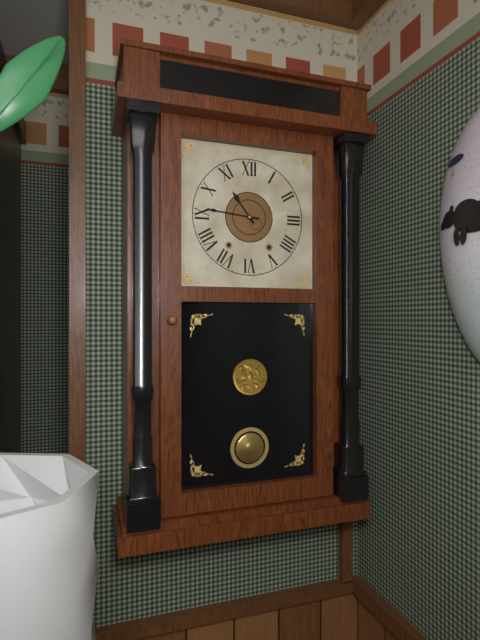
**10:46**
